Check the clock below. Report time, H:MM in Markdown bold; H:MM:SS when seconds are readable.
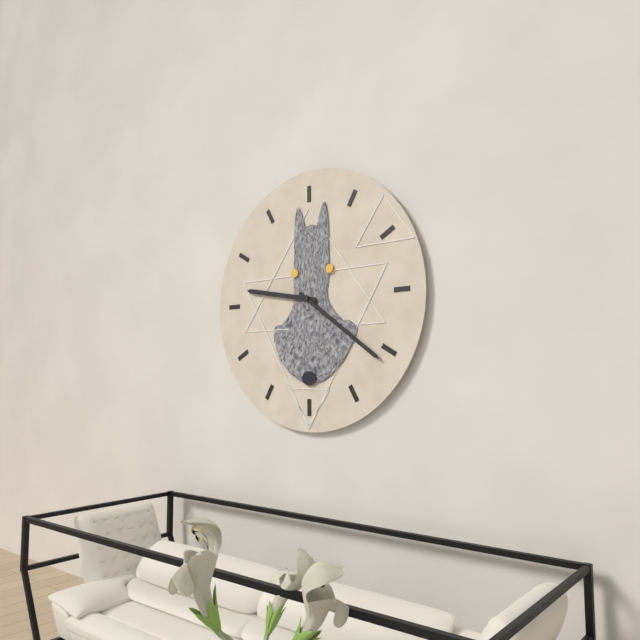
**9:21**
